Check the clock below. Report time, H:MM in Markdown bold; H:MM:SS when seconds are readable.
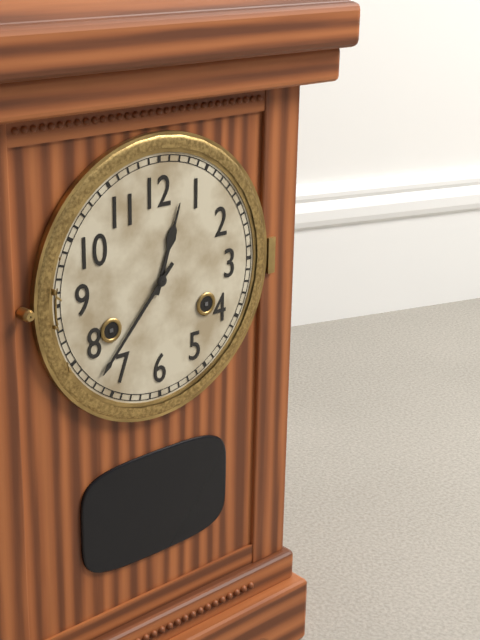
**12:37**
